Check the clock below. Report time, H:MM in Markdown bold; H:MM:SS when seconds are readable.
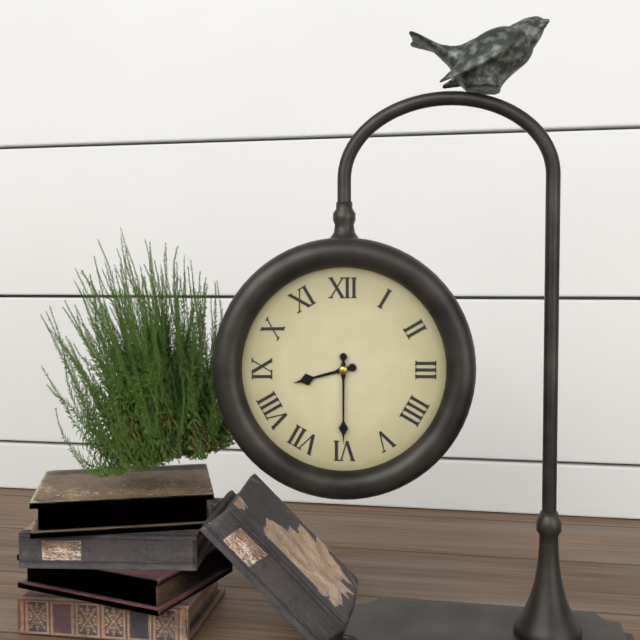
**8:30**
